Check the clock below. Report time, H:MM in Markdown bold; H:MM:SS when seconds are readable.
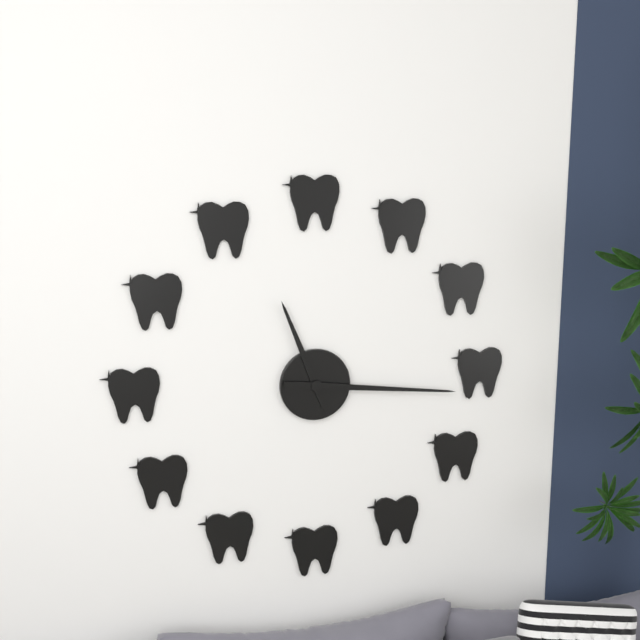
**11:16**
